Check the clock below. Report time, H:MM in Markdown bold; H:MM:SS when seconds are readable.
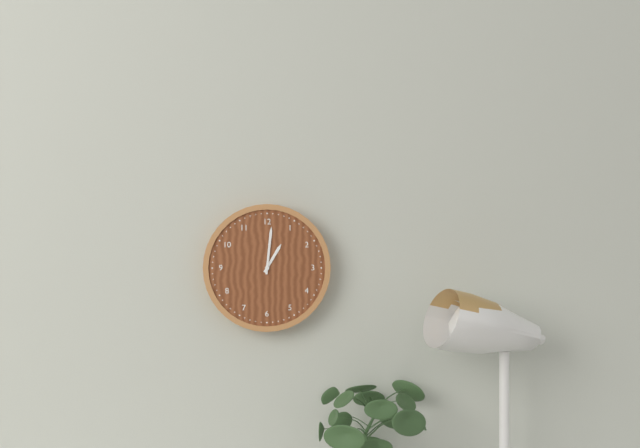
**1:01**
